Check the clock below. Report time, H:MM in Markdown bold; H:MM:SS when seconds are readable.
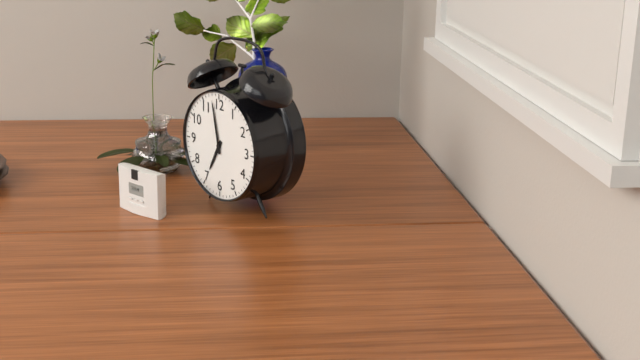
**6:58**
